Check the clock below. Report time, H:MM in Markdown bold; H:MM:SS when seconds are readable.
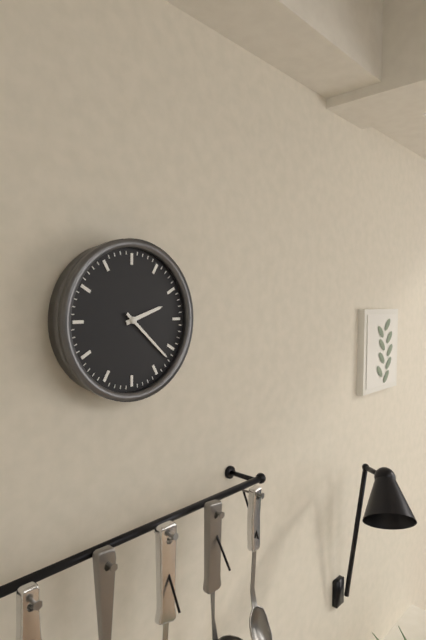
**2:22**
